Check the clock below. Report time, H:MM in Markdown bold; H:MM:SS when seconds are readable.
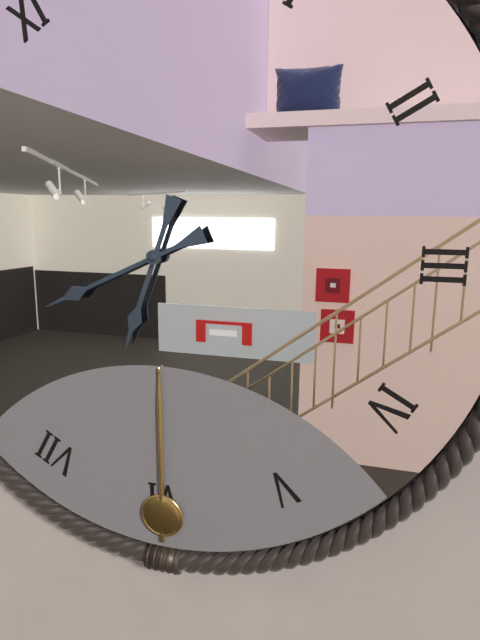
**6:41**
